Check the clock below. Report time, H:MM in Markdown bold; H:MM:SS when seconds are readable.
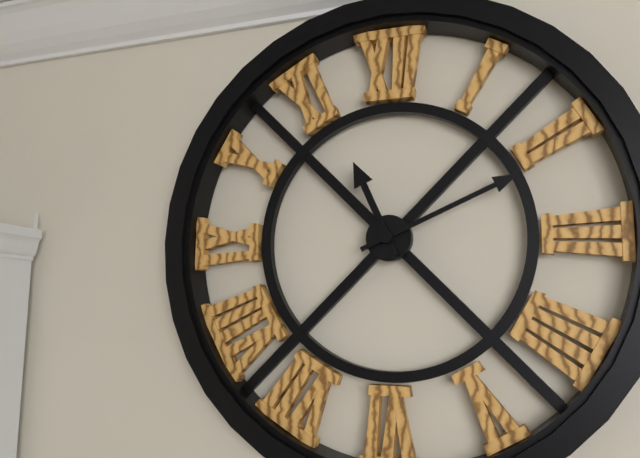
**11:11**
